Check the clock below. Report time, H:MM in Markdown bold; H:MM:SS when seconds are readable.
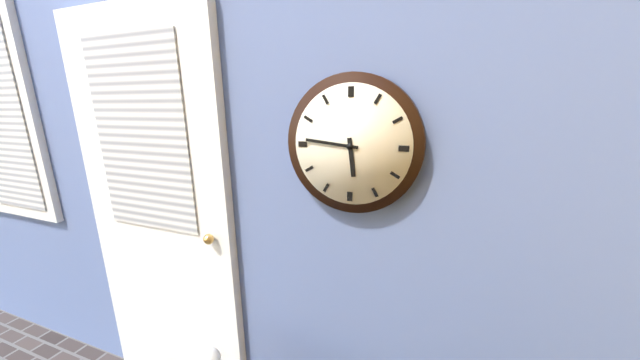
**5:46**
